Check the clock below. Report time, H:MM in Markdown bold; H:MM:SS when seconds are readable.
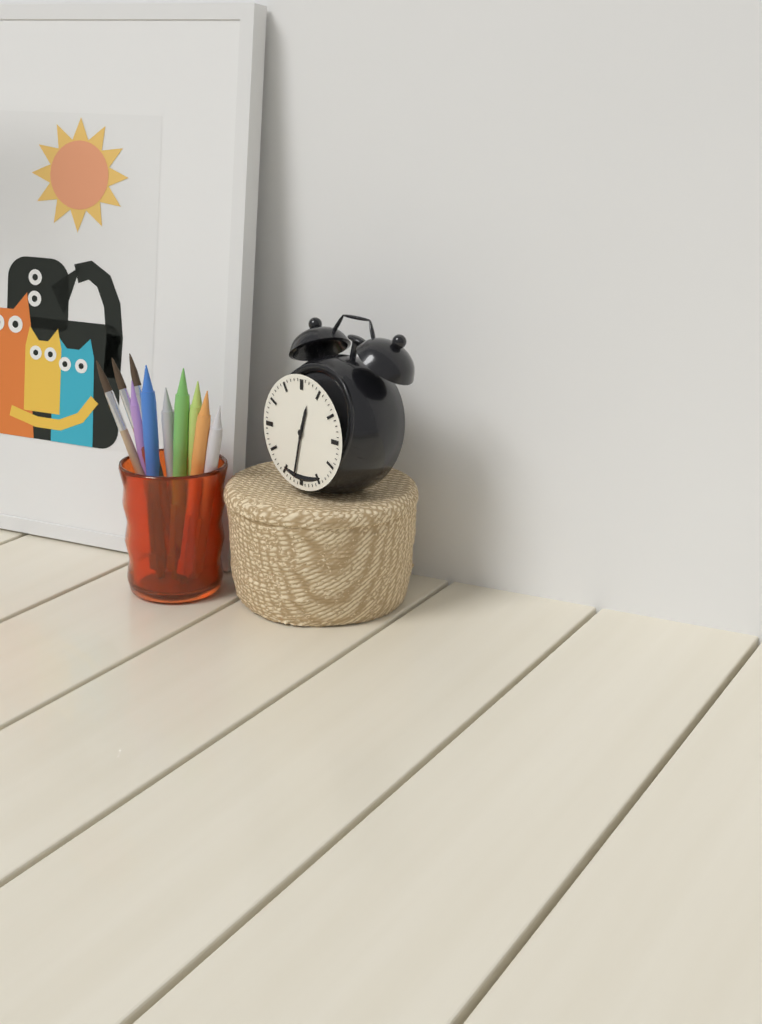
**12:32**
